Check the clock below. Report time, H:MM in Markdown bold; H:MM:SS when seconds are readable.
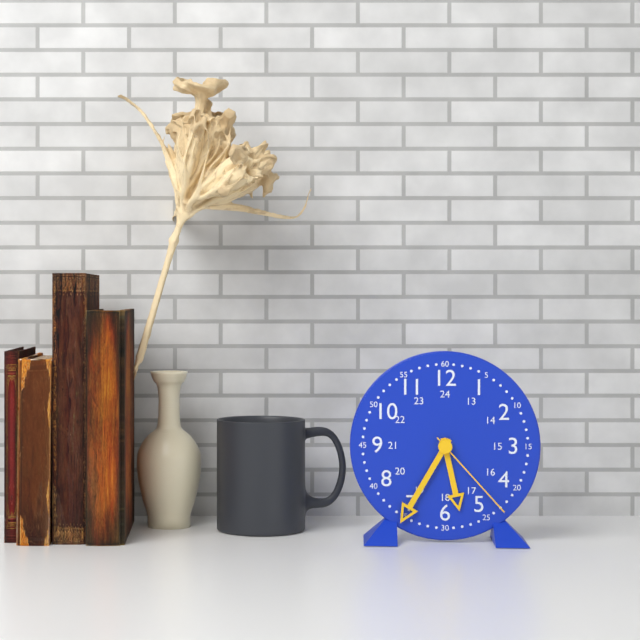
**5:35:23**
